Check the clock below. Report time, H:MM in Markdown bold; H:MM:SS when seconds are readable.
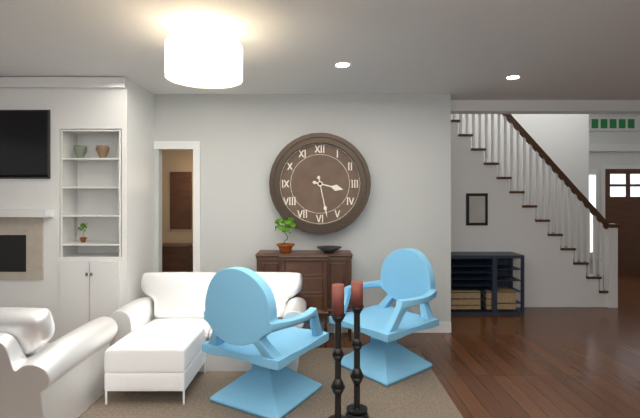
**3:28**
